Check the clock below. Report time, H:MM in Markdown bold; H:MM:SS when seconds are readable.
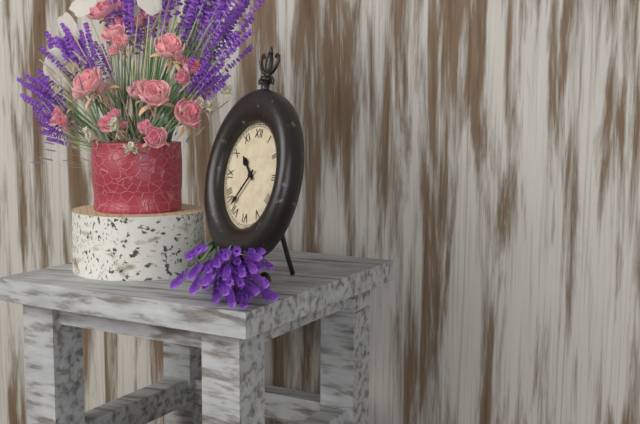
**10:36**
